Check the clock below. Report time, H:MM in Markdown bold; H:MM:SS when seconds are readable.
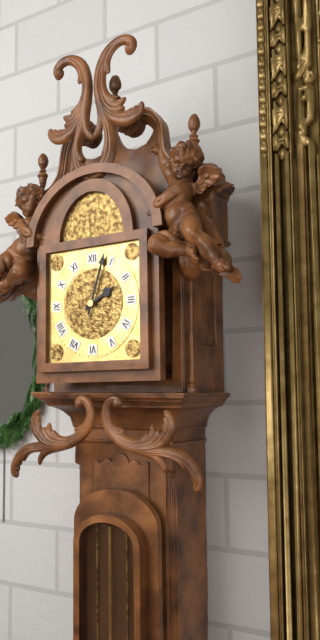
**2:03**
